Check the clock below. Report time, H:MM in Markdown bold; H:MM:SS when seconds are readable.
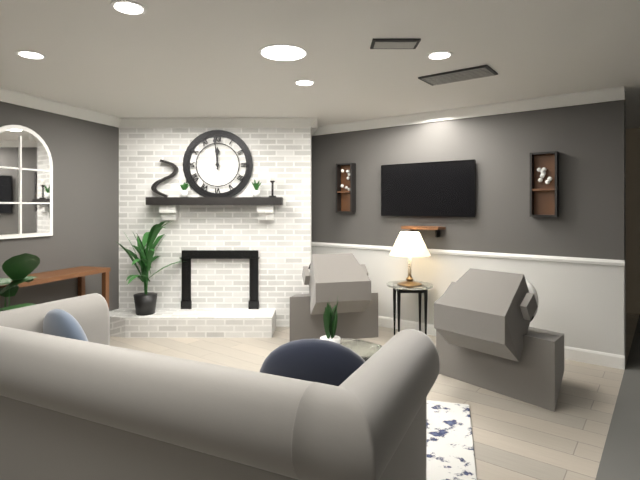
**11:59**
